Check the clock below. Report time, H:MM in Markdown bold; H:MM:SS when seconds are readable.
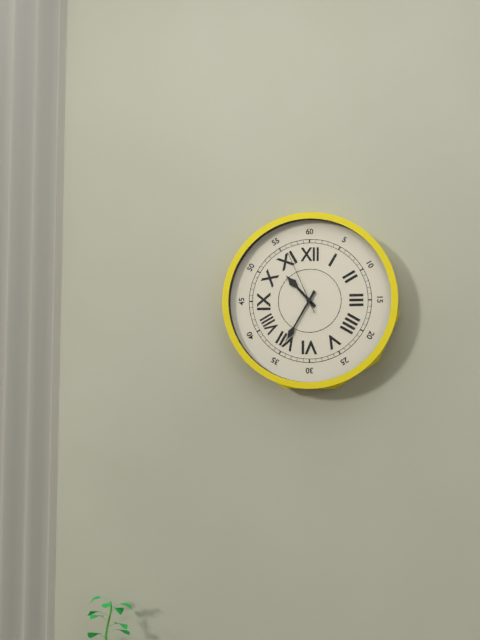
**10:35:56**
